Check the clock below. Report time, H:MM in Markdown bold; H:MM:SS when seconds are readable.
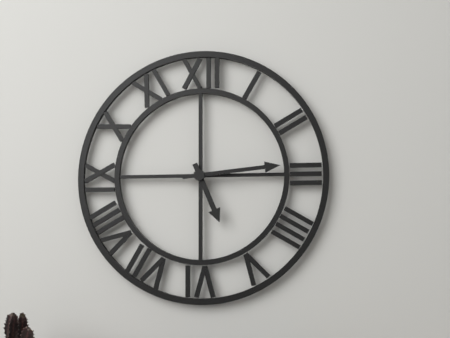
**5:14**
